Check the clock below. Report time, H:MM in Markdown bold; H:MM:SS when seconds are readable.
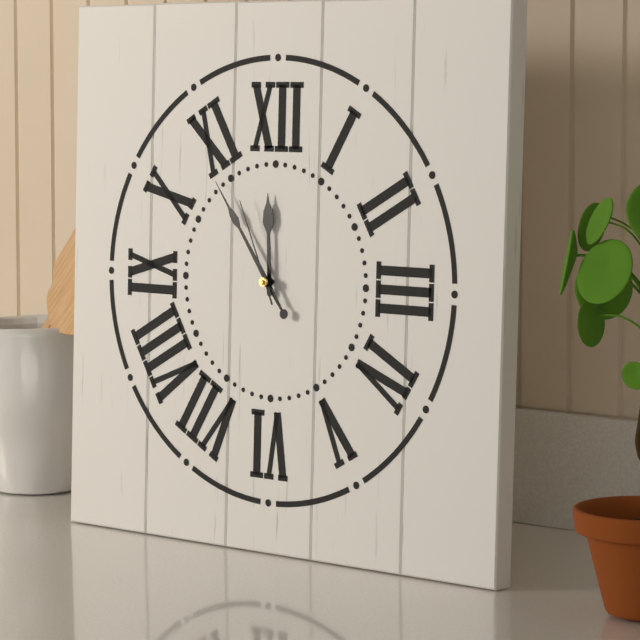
**11:54:56**
